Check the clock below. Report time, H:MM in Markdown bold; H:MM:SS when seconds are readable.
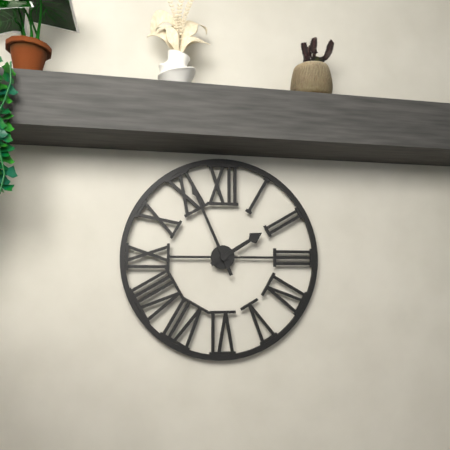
**1:56**
